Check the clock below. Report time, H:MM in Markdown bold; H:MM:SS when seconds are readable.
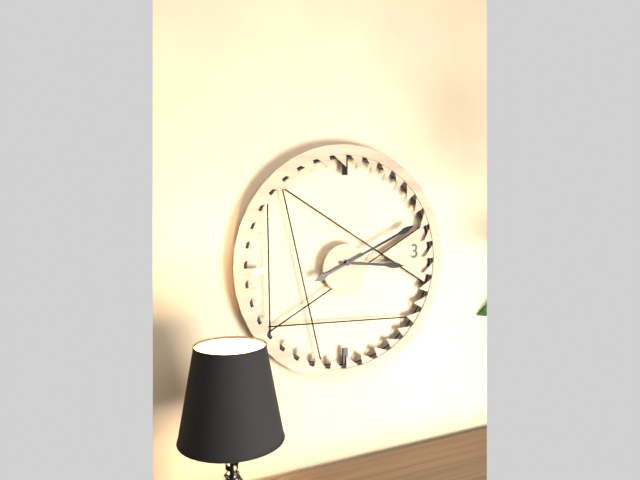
**3:11**
